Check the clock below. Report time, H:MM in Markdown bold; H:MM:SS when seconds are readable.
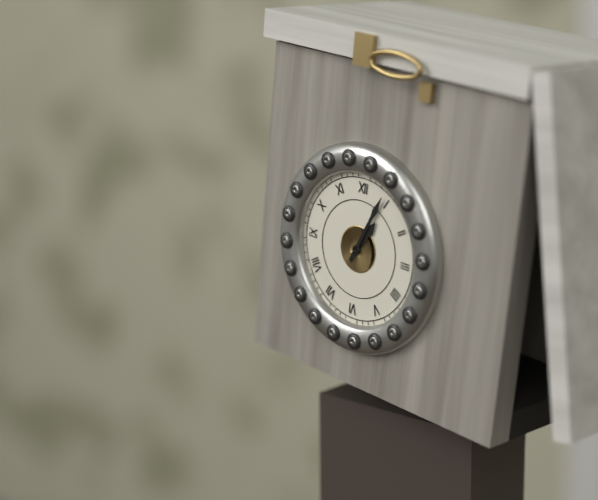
**1:04**
